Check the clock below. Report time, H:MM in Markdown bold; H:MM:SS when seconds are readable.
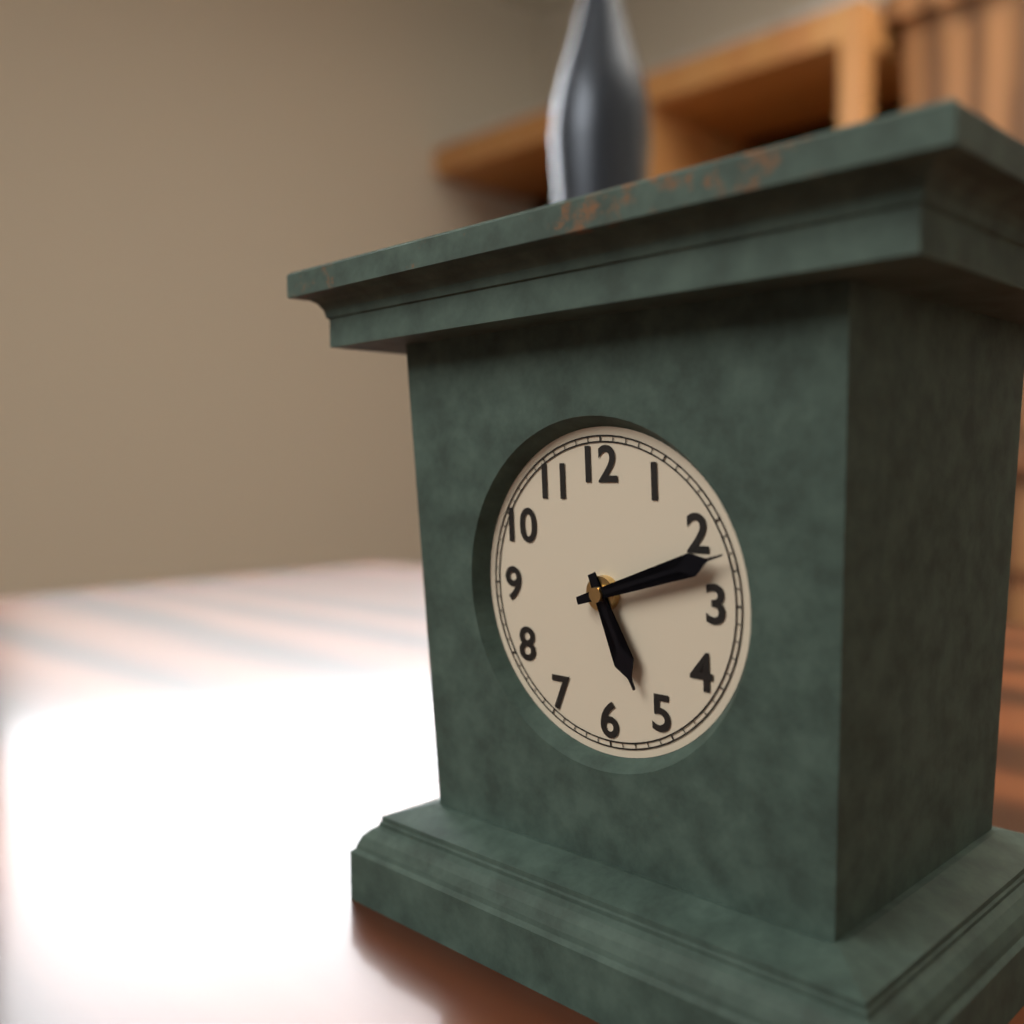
**5:12**
